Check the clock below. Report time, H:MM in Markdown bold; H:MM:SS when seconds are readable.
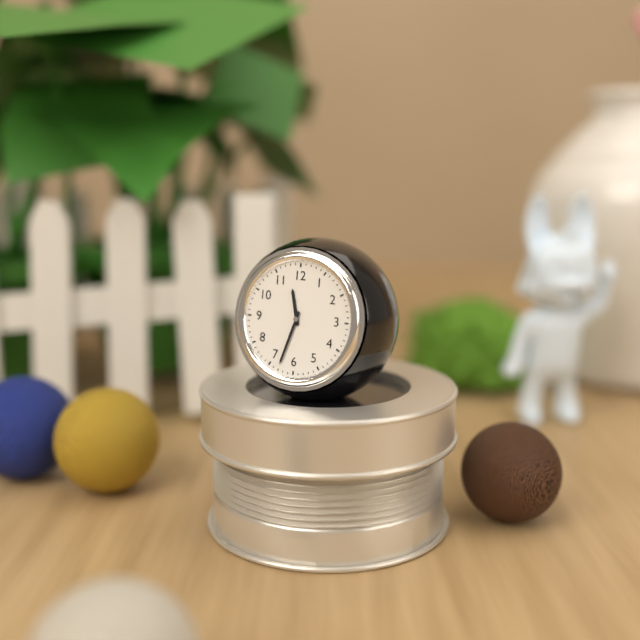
**11:33**
